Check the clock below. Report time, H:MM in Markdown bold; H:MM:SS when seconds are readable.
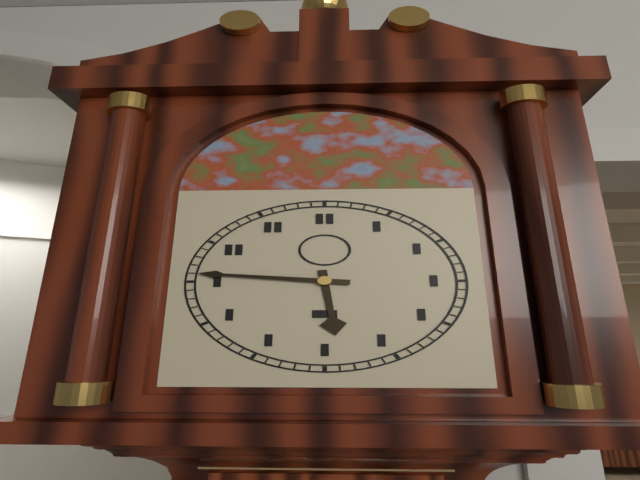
**5:46**
